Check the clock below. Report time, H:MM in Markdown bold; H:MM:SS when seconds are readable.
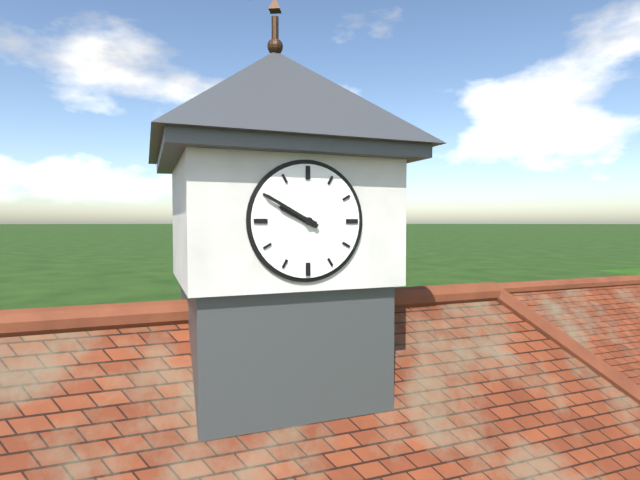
**9:50**
